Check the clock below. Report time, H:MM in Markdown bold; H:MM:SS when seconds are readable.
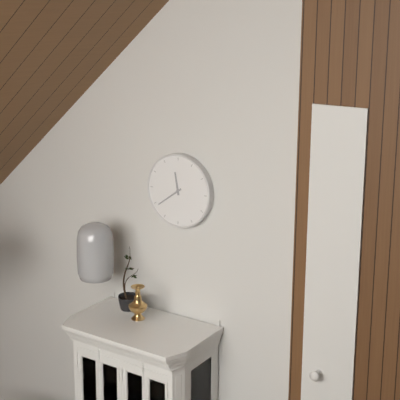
**11:39**
